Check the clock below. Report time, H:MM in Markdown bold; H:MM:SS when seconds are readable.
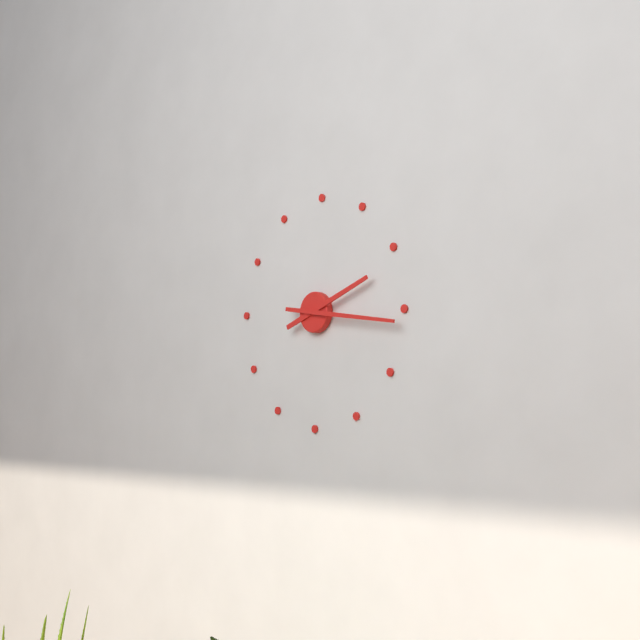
**2:16**
